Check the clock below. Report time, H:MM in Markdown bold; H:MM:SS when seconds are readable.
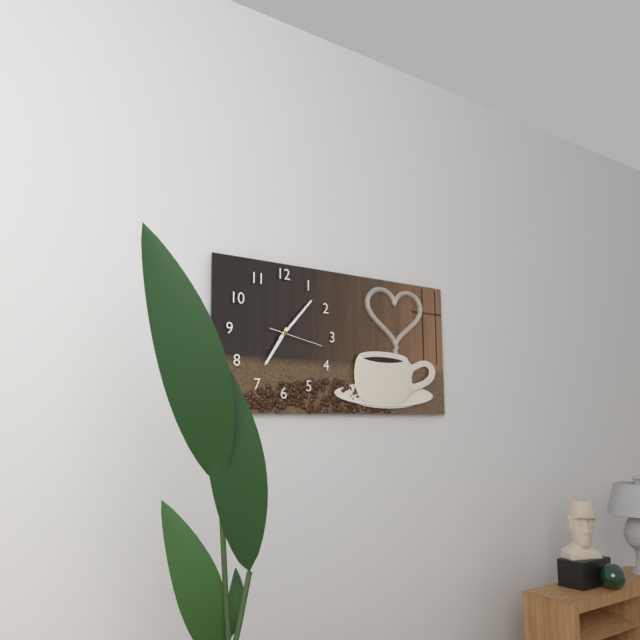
**7:07**
